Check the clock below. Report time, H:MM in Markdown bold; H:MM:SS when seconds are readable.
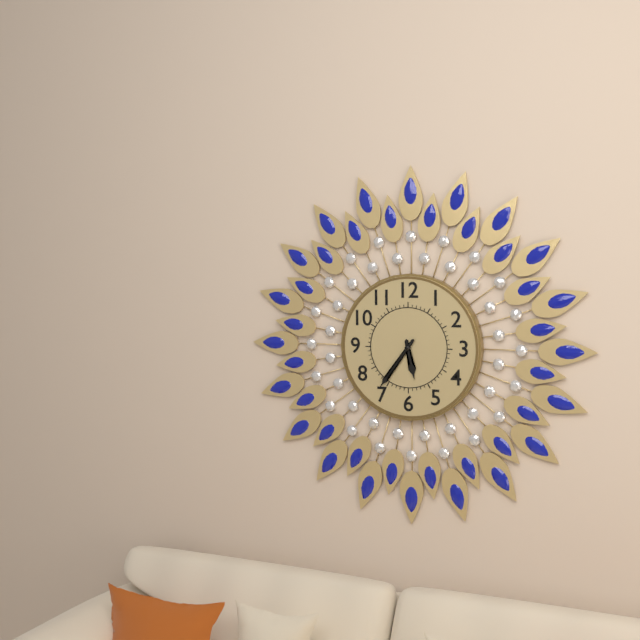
**5:36**
